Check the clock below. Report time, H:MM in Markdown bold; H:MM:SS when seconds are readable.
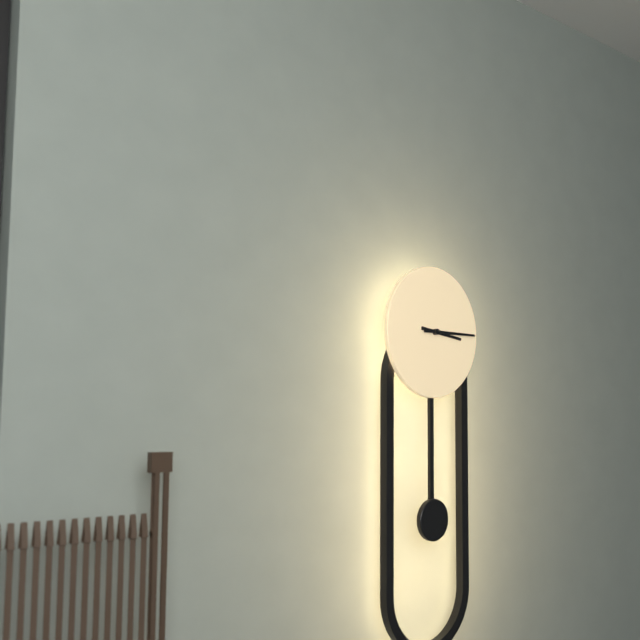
**3:15**
